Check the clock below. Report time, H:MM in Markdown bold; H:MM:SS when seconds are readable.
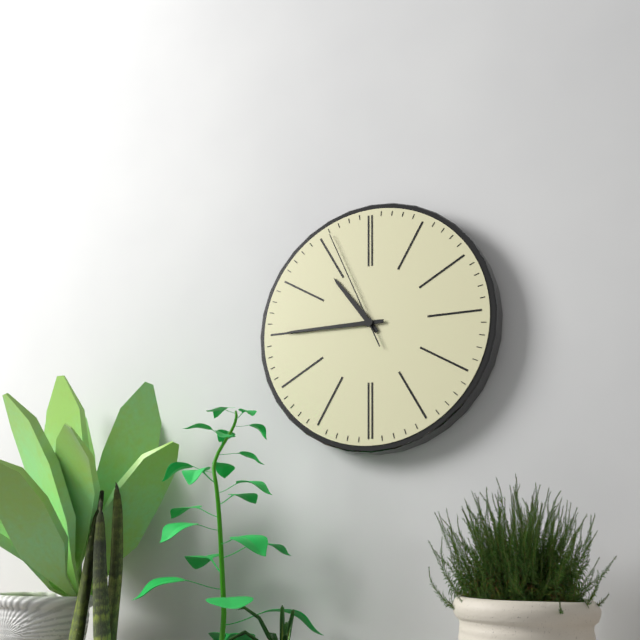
**10:45:56**
